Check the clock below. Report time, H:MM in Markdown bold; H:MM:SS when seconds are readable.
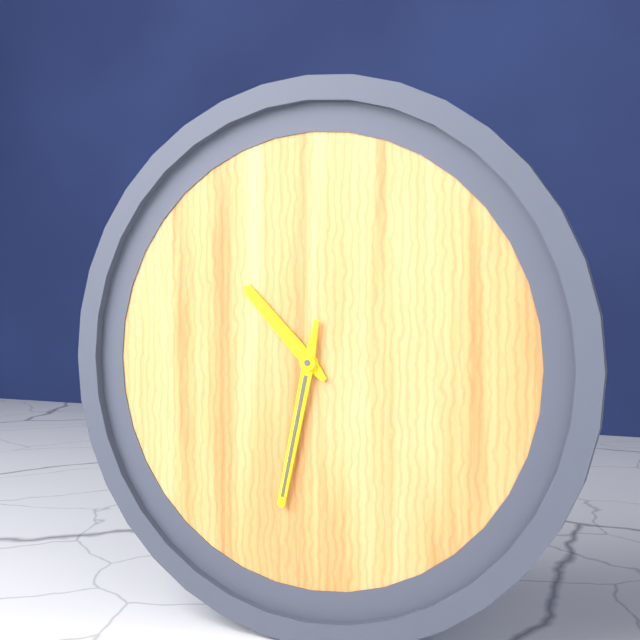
**10:32**
